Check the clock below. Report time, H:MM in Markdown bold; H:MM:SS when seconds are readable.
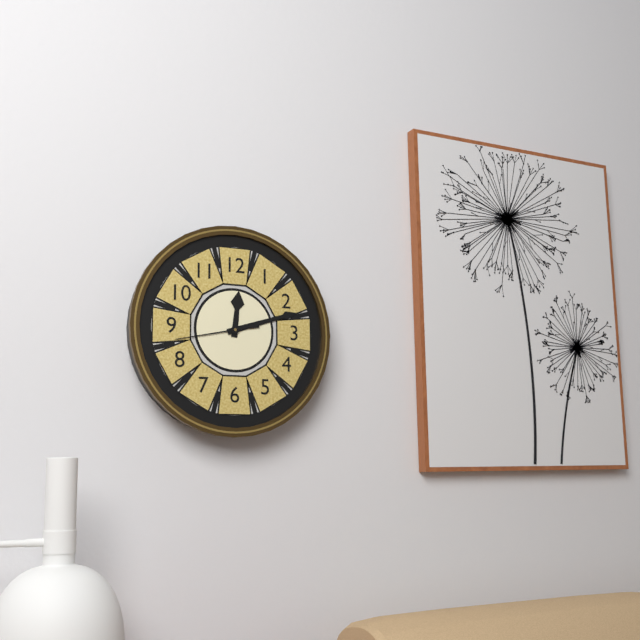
**12:12:43**
